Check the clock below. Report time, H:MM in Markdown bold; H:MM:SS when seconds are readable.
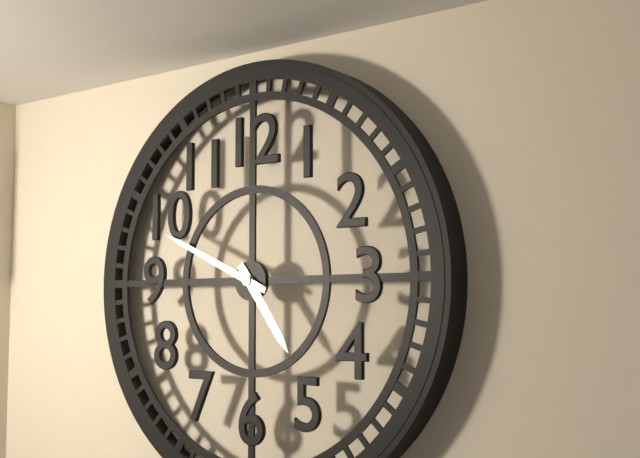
**4:49**
